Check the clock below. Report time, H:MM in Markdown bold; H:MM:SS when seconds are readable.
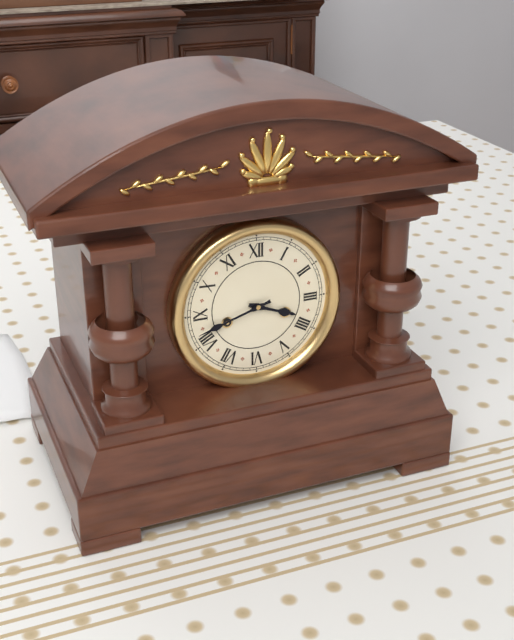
**3:42**
